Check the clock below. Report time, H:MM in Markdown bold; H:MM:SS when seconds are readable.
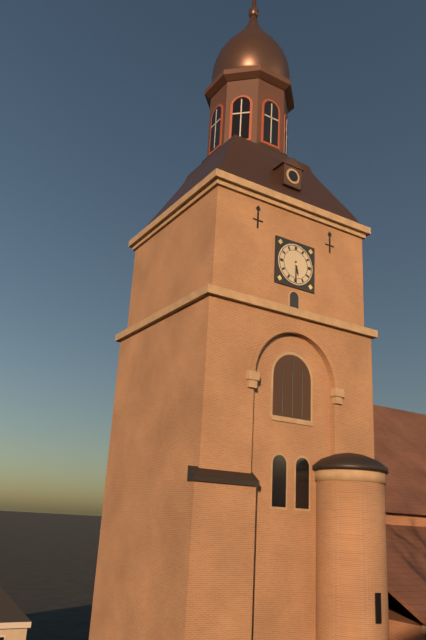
**5:30**
